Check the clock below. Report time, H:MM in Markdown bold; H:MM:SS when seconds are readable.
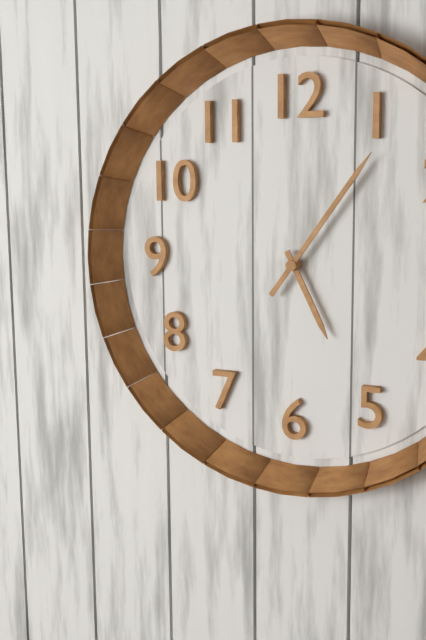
**5:06**
